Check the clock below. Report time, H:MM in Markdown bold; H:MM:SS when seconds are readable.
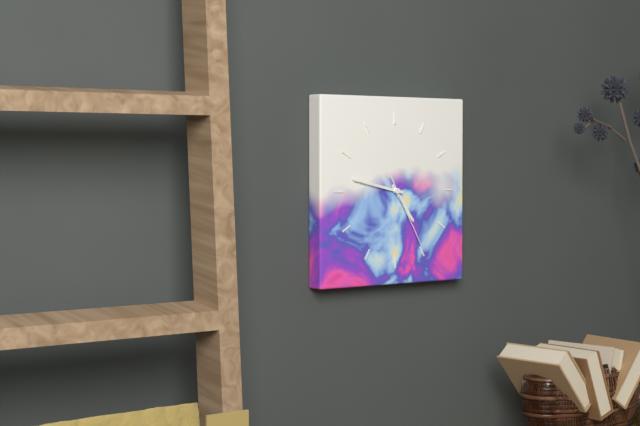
**4:47:25**
